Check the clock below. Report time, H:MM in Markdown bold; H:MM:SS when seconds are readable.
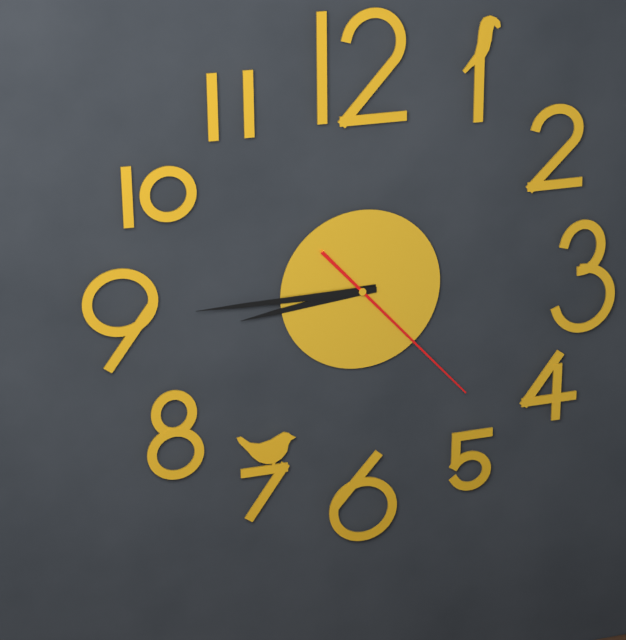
**8:45:23**
